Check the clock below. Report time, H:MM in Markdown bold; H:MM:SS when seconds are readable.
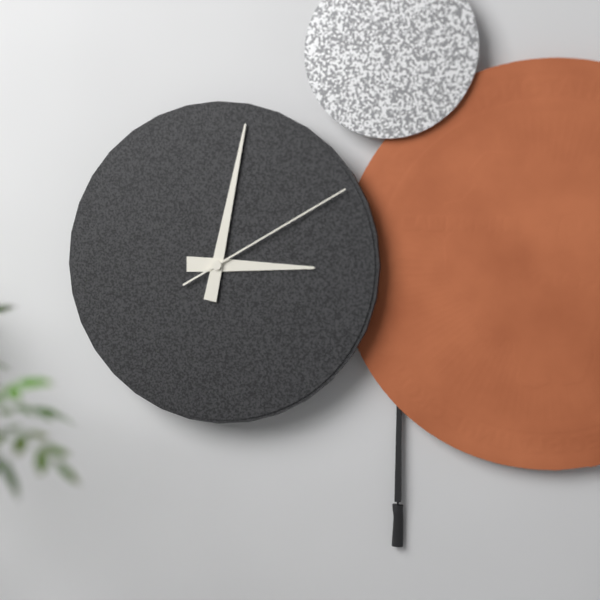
**3:02:10**
